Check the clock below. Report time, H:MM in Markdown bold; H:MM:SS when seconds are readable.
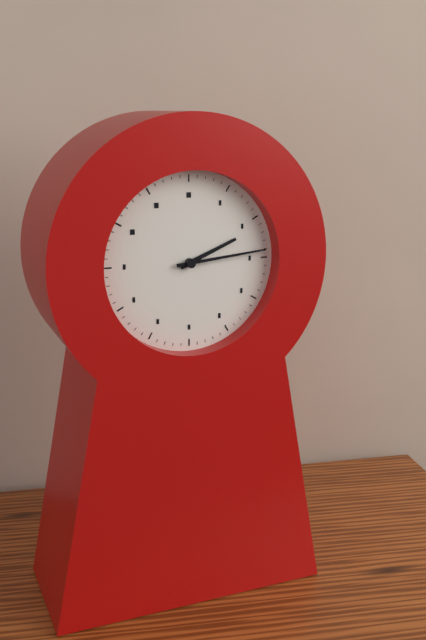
**2:14**
